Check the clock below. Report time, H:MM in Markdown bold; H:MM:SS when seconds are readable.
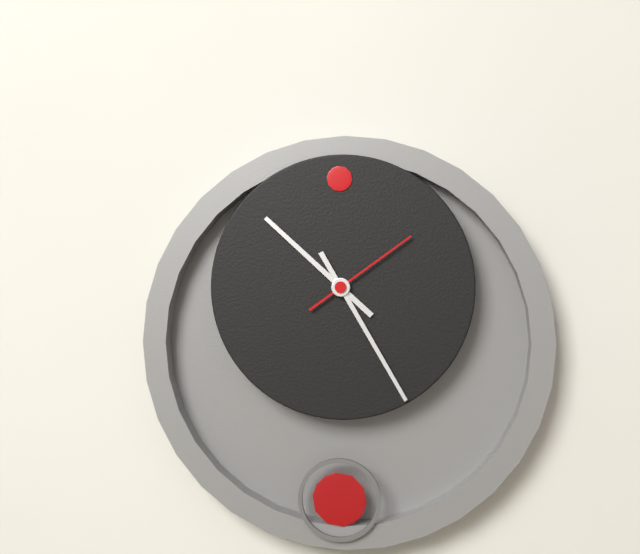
**10:25:09**
